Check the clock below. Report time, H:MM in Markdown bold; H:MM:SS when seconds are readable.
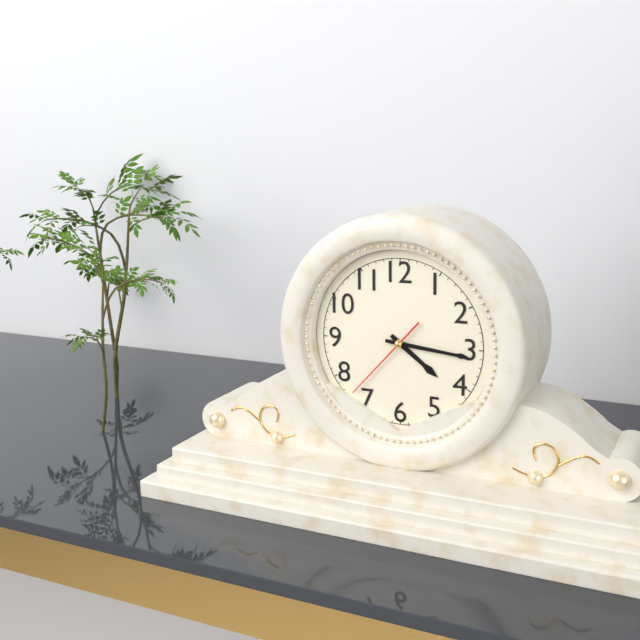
**4:16:37**
